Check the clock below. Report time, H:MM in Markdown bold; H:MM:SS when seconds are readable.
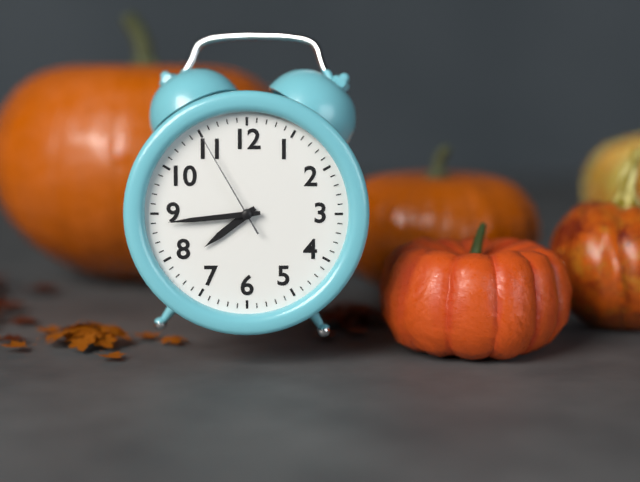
**7:44:55**
